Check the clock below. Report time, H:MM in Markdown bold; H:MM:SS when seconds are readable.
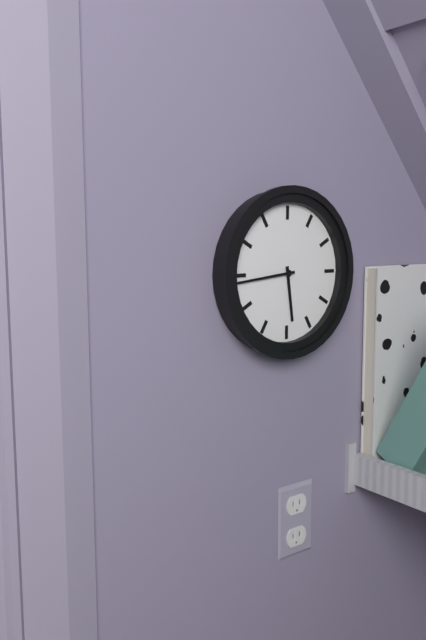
**5:44**
